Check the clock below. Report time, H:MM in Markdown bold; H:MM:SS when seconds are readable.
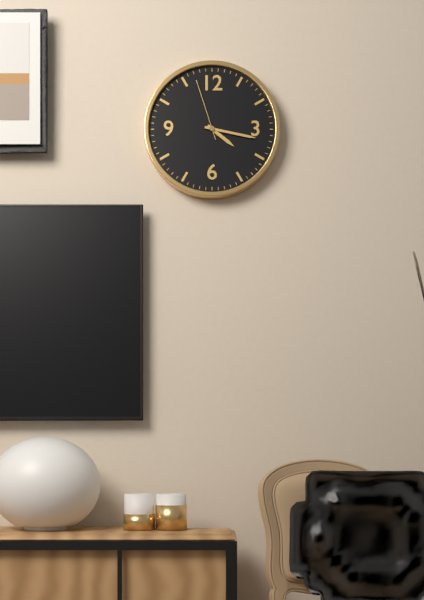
**4:17:57**
